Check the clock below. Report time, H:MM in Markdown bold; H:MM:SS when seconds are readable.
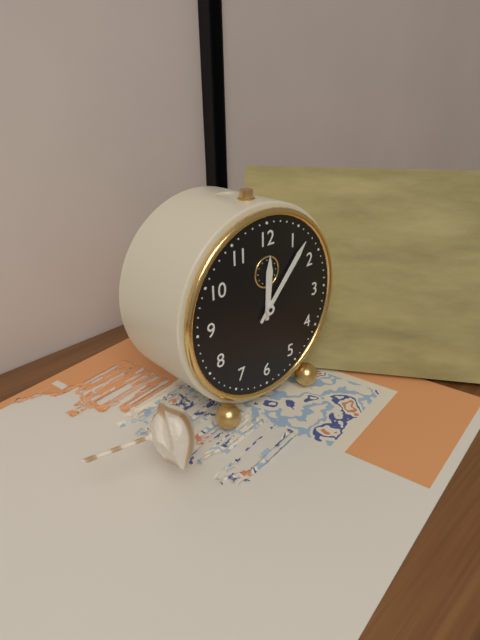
**12:07**
